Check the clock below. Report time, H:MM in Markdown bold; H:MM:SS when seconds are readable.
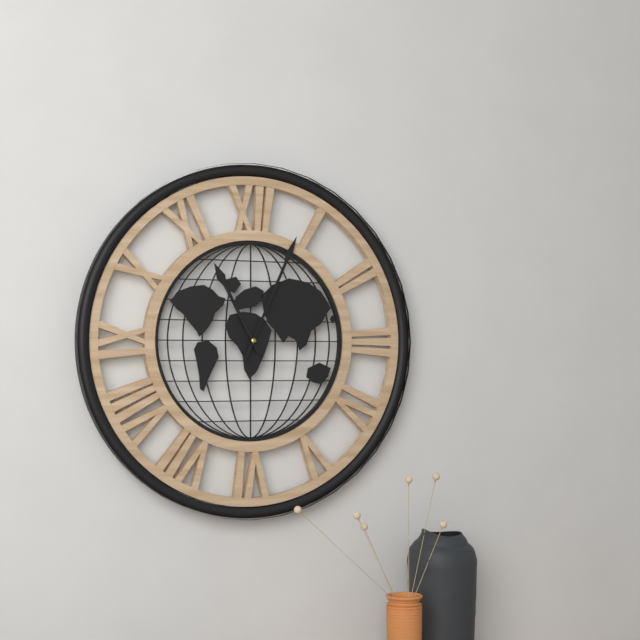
**11:04**
